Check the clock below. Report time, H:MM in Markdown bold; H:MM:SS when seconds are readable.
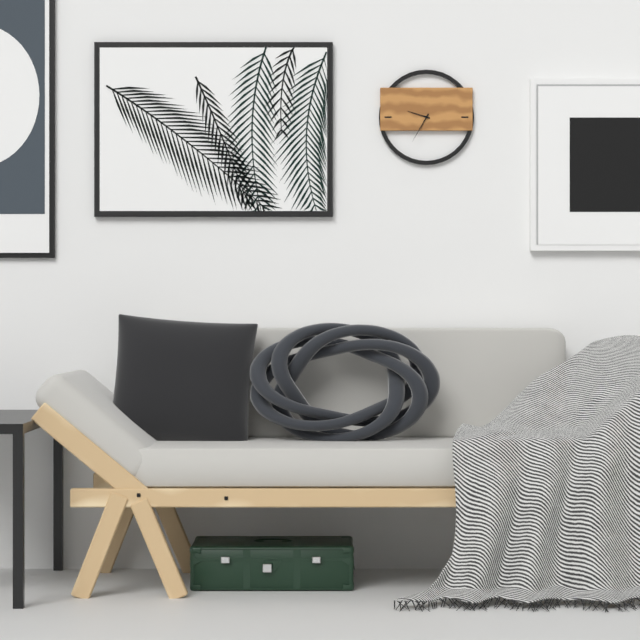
**9:35**
